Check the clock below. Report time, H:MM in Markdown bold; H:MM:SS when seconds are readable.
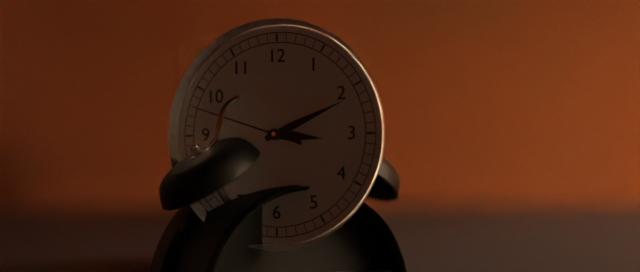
**3:11:48**
